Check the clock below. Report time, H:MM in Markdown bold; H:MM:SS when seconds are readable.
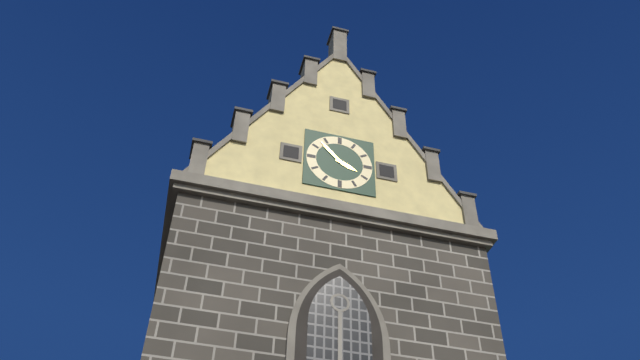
**3:53**
